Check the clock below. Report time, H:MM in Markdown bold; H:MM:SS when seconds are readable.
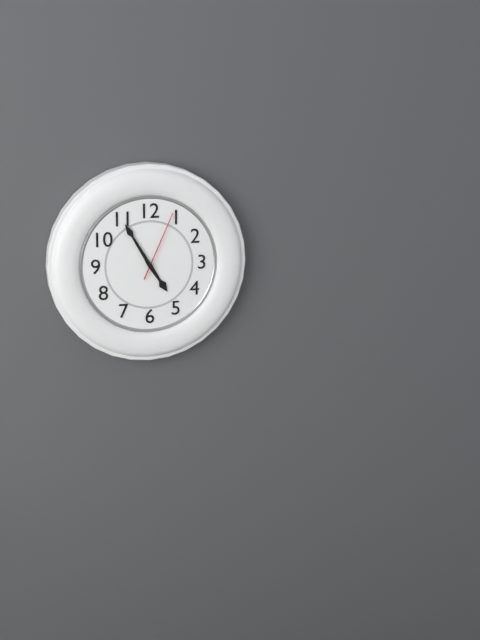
**4:55:04**
